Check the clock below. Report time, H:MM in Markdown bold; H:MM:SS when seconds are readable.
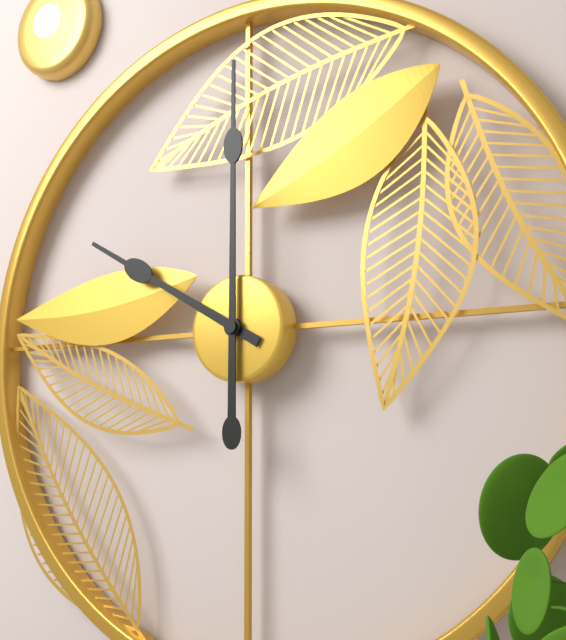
**10:00**
